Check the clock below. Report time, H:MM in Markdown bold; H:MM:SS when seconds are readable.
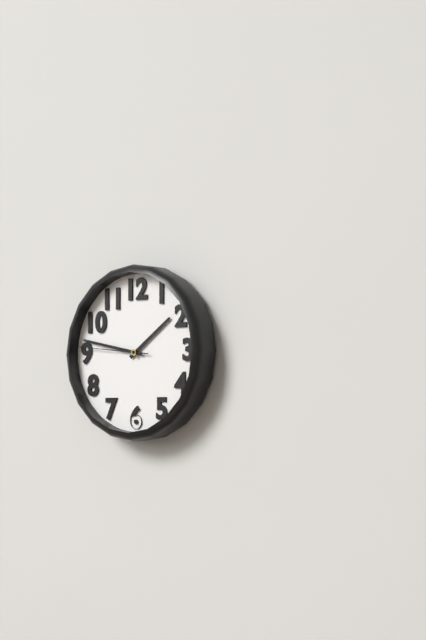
**1:47:46**
